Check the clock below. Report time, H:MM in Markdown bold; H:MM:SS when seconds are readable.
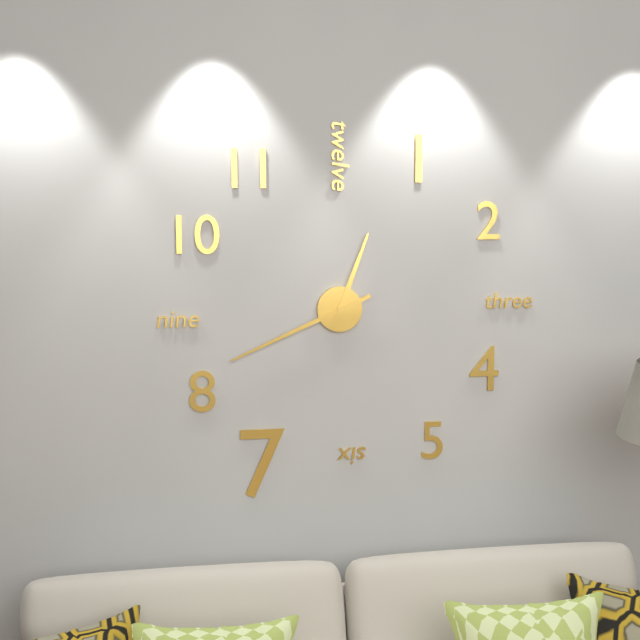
**12:41**
